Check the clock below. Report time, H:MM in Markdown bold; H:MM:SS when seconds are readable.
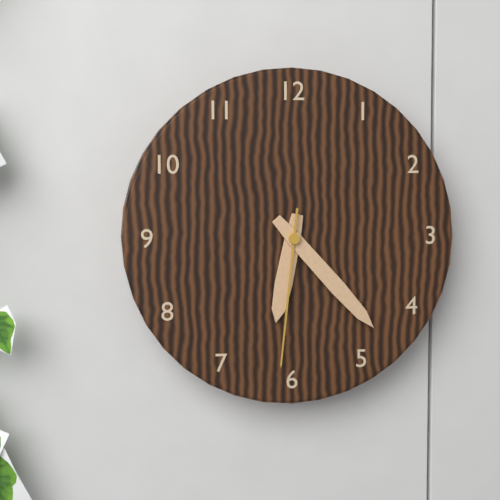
**6:23:31**
